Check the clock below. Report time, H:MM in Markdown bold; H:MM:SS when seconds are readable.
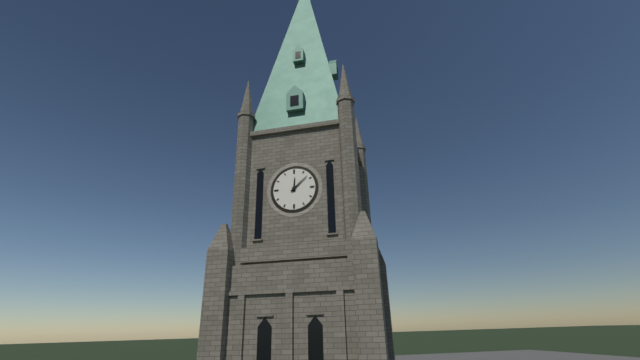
**12:08**
